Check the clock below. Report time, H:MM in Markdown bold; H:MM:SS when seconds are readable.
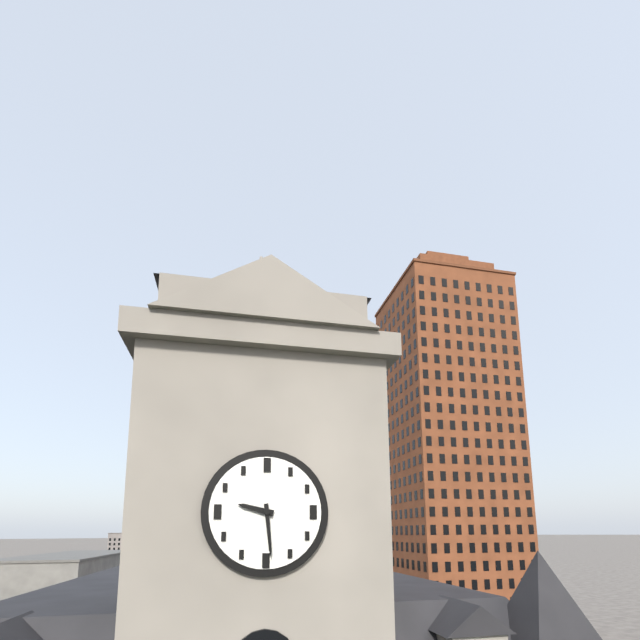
**9:29**
